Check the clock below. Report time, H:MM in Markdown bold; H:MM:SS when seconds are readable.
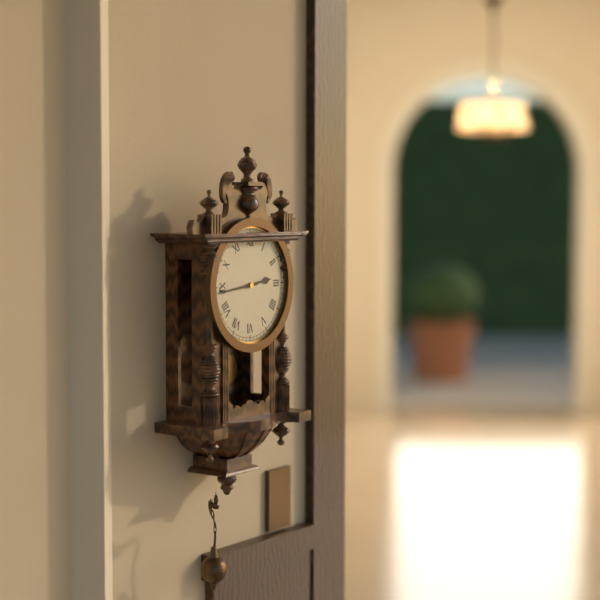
**2:44**
